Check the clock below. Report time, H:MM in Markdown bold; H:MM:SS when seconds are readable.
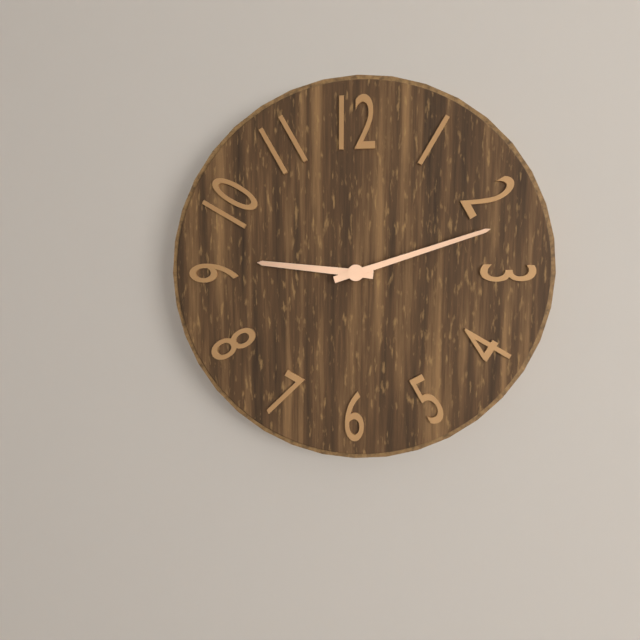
**9:12**
